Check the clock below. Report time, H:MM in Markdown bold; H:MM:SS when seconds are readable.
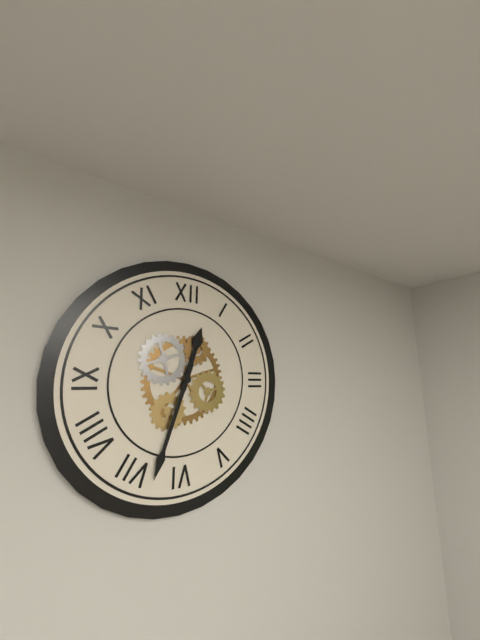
**12:33**
